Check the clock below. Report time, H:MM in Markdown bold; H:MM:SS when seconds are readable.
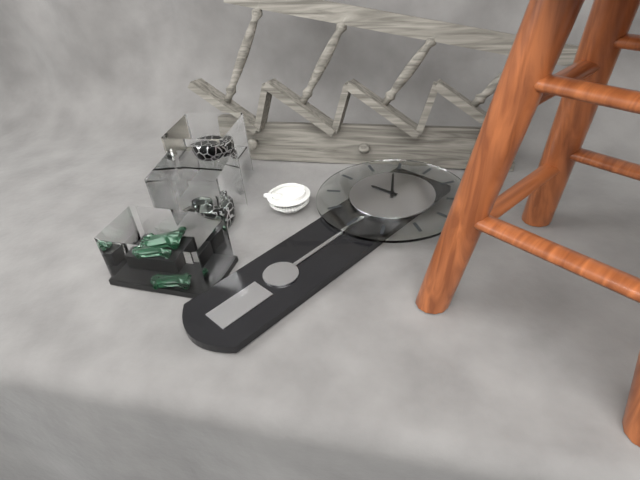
**8:54**
